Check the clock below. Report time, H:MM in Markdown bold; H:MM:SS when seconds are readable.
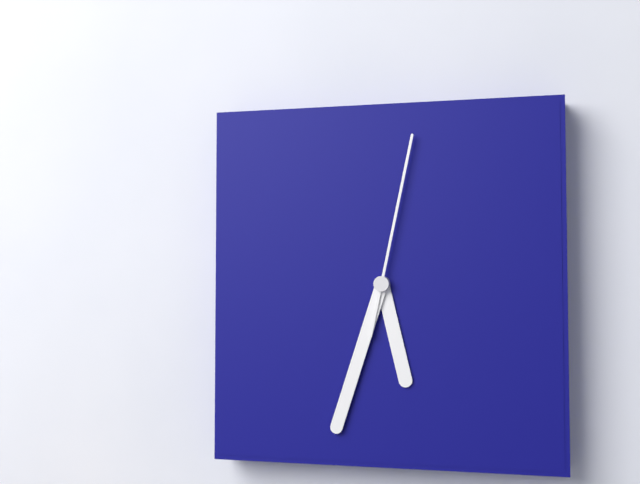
**5:33:02**
